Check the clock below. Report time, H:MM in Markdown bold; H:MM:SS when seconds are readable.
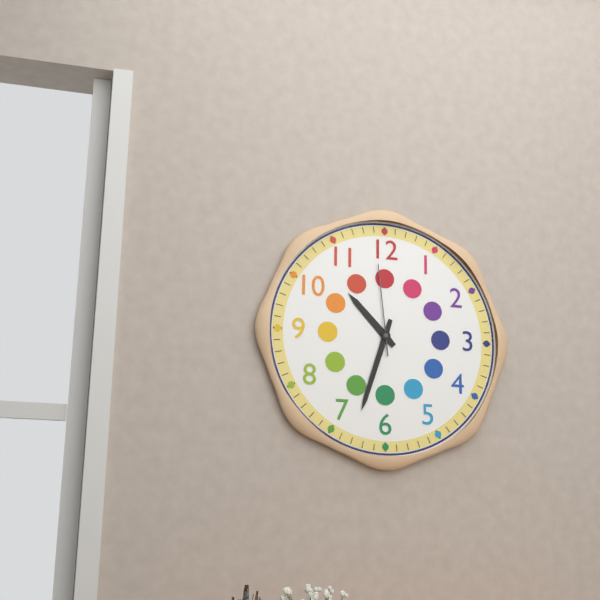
**10:33:59**
